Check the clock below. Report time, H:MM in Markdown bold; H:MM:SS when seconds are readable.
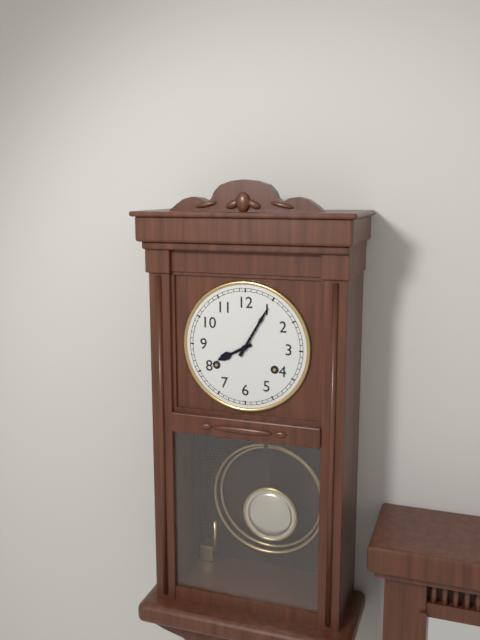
**8:05**
